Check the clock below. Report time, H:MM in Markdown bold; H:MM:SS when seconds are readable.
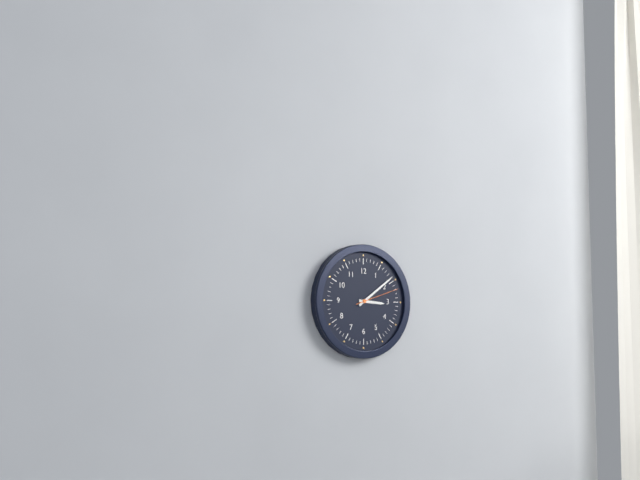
**3:09**
